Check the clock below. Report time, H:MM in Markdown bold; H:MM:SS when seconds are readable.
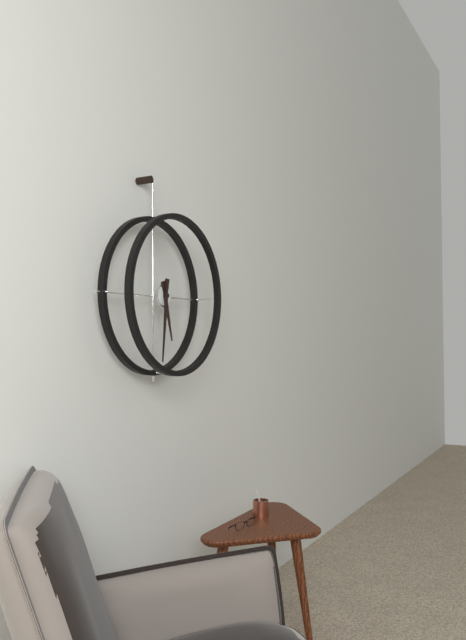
**5:31**
